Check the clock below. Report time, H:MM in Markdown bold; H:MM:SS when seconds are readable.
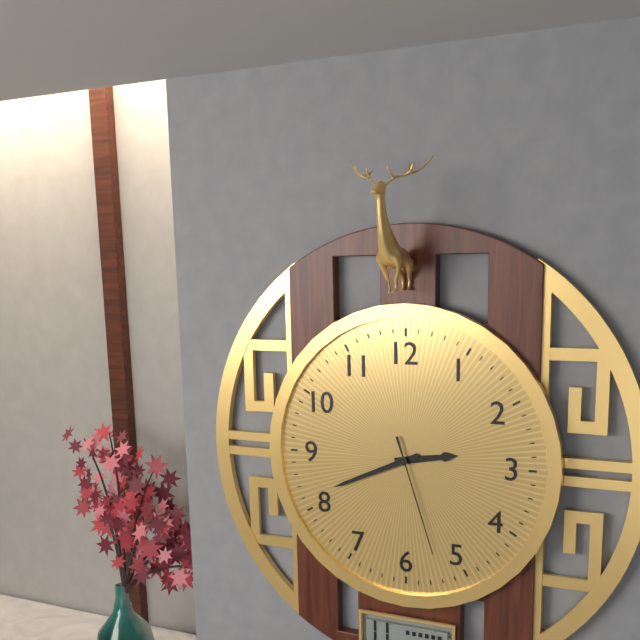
**2:41:27**
